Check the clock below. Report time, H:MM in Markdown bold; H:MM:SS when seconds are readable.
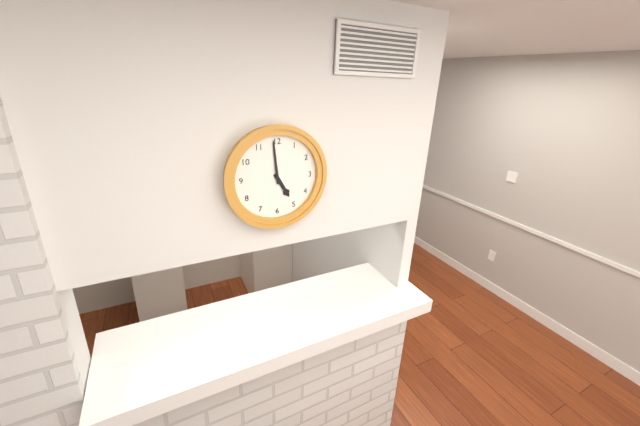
**4:59**
